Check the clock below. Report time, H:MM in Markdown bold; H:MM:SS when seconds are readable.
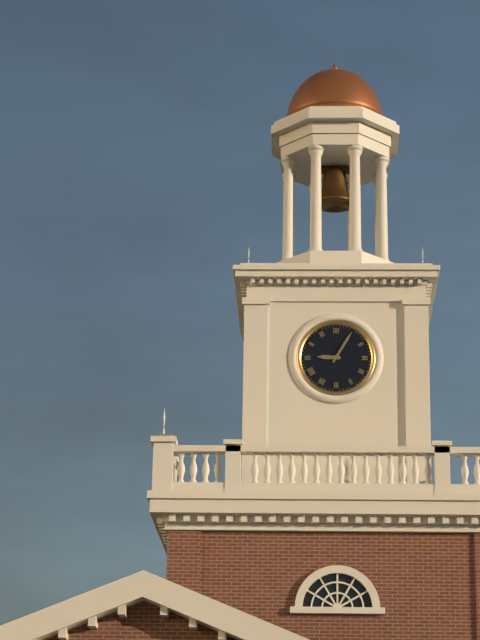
**9:05**
